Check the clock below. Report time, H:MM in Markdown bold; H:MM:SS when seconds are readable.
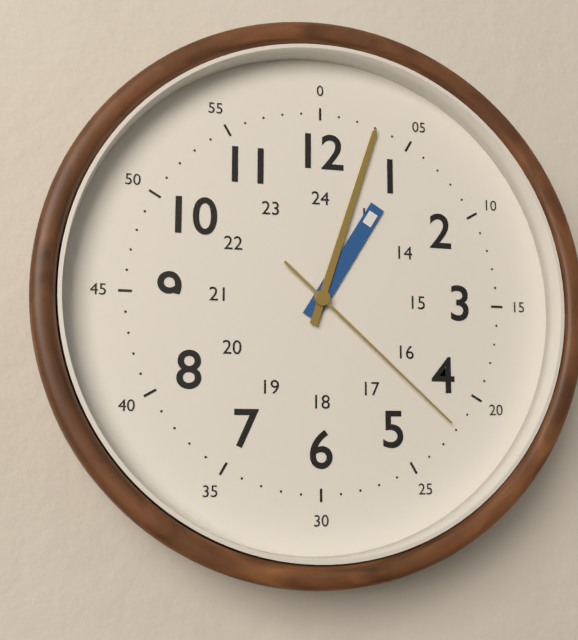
**1:03:22**
